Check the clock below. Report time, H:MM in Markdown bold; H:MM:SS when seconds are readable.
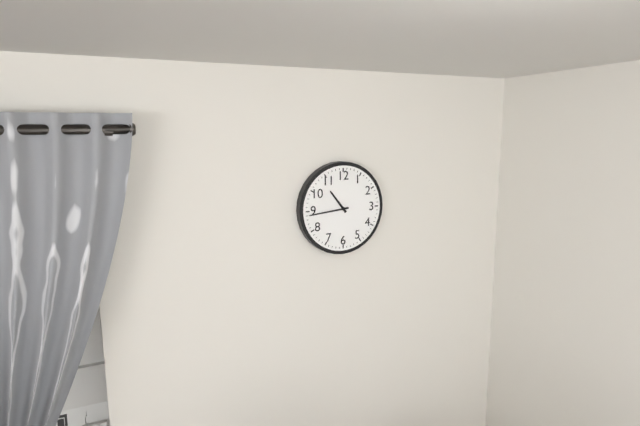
**10:44**
